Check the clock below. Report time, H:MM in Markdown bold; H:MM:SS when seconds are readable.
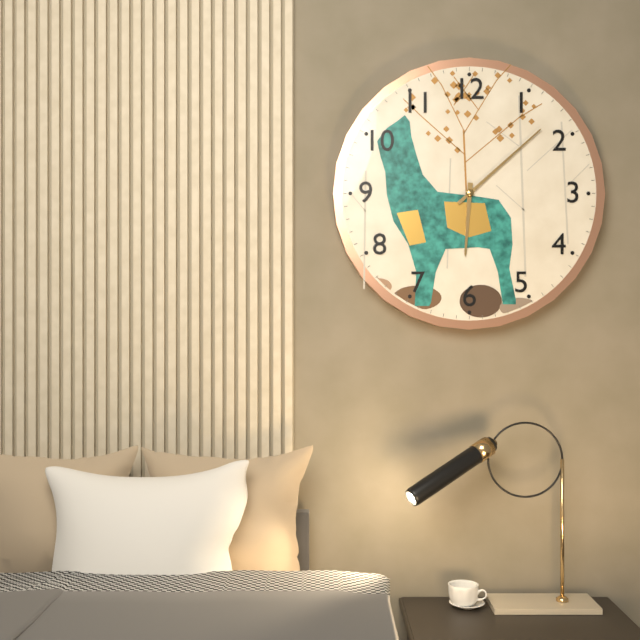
**6:08**
